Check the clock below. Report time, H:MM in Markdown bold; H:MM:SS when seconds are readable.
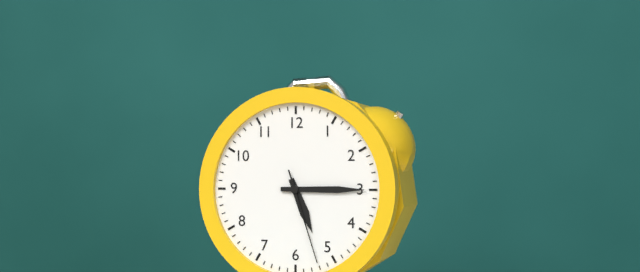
**5:15:27**
